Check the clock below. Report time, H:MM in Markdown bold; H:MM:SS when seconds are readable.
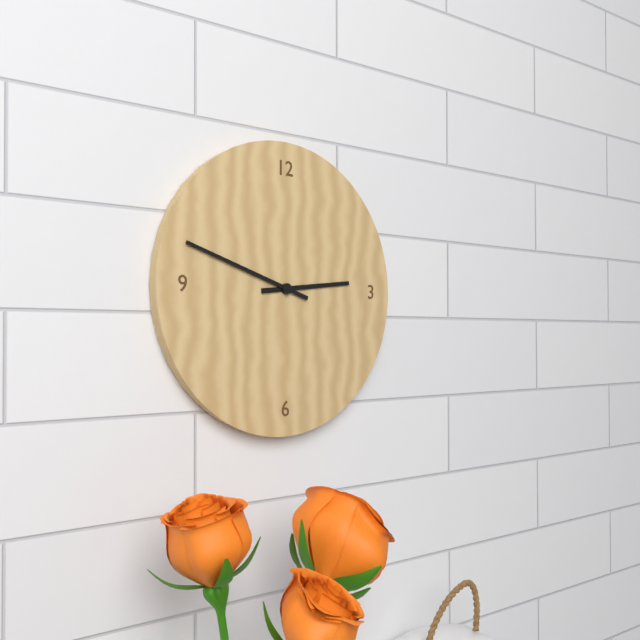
**2:48**
